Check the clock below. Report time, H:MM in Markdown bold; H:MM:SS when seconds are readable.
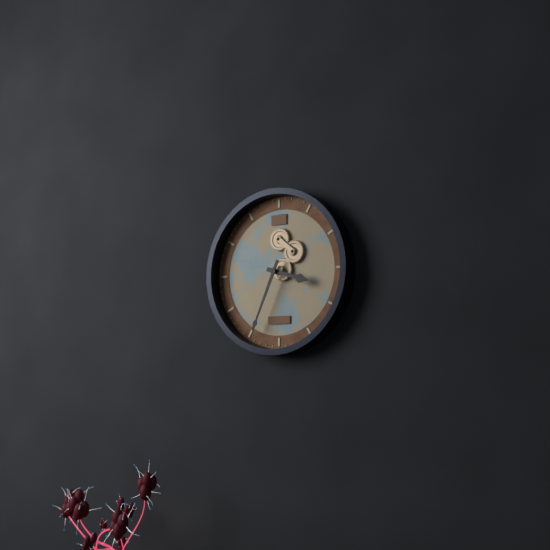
**3:34**
